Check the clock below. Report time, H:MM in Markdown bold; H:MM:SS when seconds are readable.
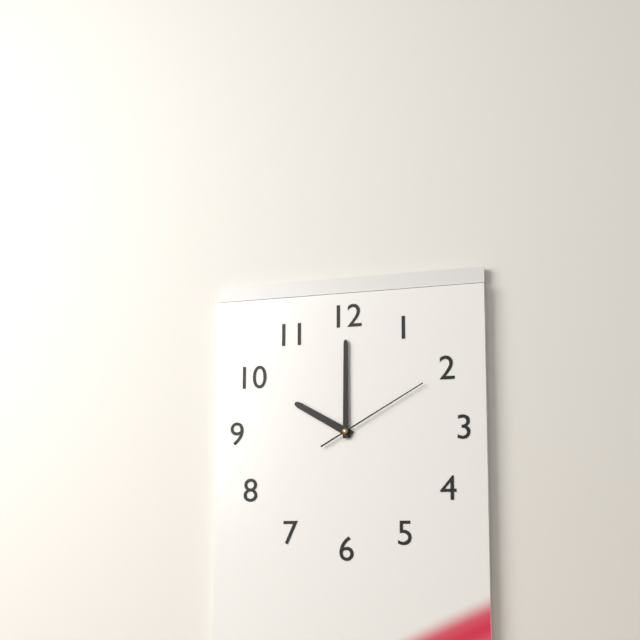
**10:00:10**
